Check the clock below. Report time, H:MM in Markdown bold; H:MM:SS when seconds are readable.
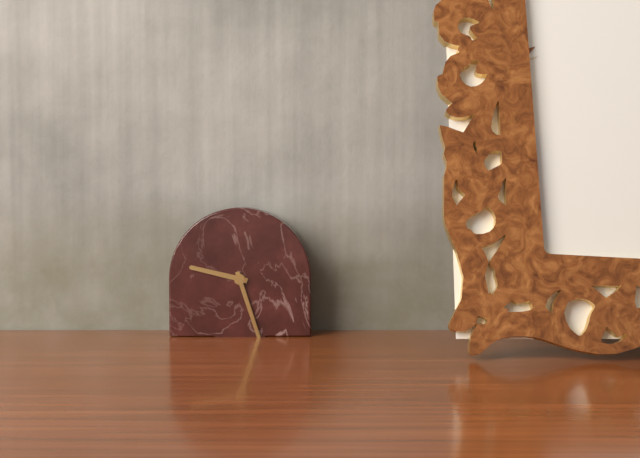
**9:27**
